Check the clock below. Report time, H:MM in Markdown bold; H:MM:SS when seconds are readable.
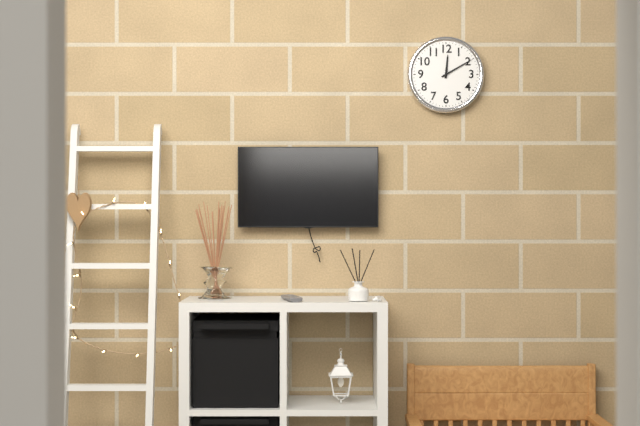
**12:10**
